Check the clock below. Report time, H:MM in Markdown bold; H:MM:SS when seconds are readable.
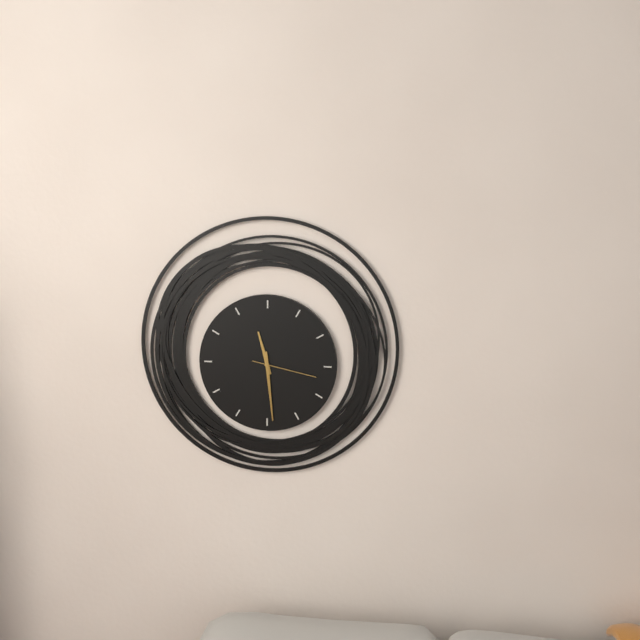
**11:29:17**
